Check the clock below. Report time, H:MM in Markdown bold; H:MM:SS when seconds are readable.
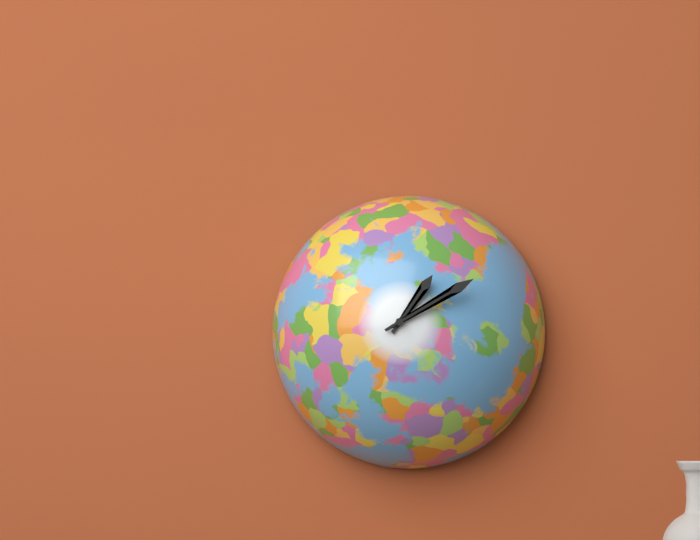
**1:10**
